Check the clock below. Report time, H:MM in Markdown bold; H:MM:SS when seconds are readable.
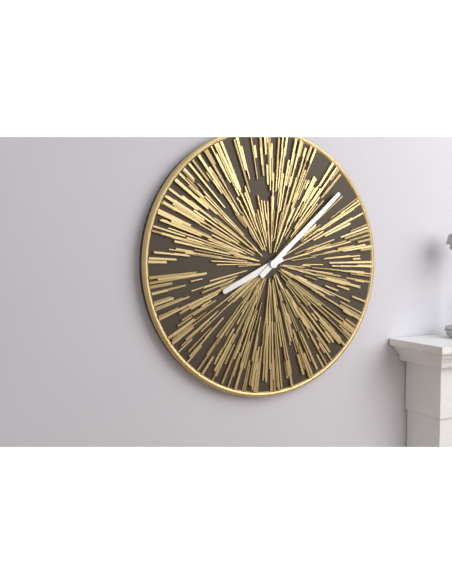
**8:08**
